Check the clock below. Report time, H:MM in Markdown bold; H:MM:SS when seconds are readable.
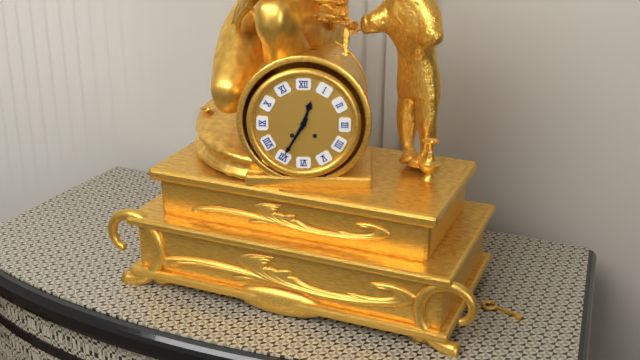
**12:35**
